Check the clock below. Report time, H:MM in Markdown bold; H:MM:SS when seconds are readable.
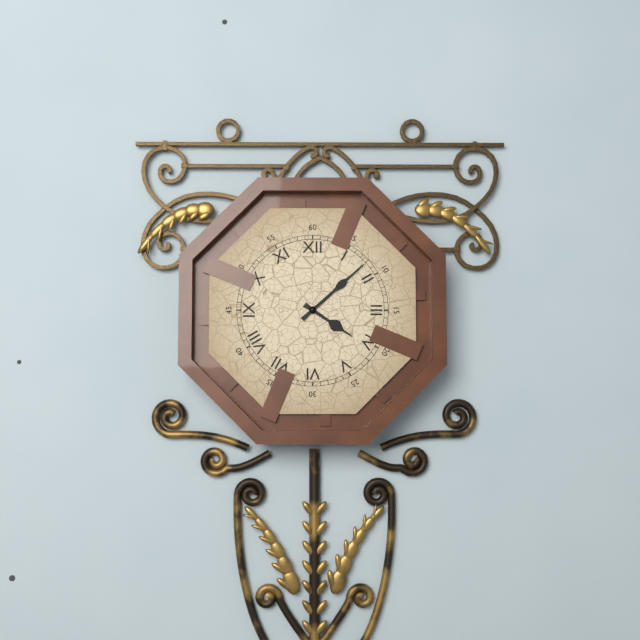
**4:08**
